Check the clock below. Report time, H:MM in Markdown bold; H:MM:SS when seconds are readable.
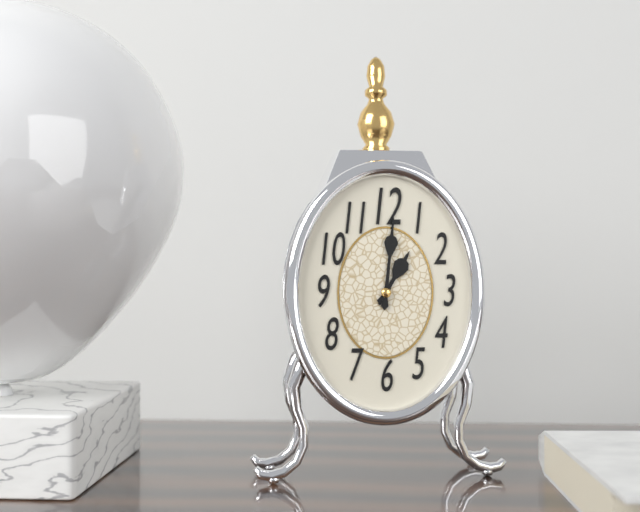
**1:01**
